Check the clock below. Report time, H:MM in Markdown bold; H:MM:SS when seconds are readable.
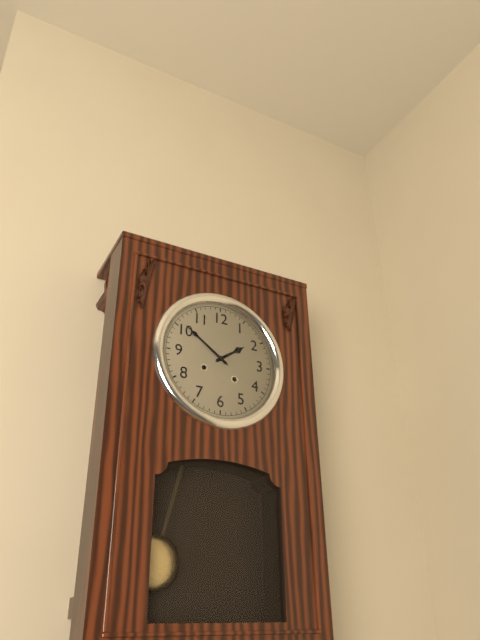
**1:51**
